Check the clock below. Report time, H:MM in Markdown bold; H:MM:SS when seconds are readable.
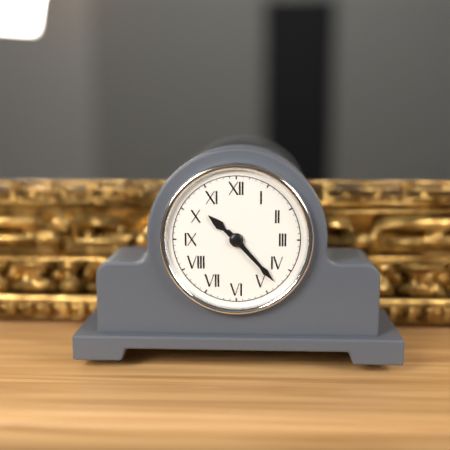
**10:23**
